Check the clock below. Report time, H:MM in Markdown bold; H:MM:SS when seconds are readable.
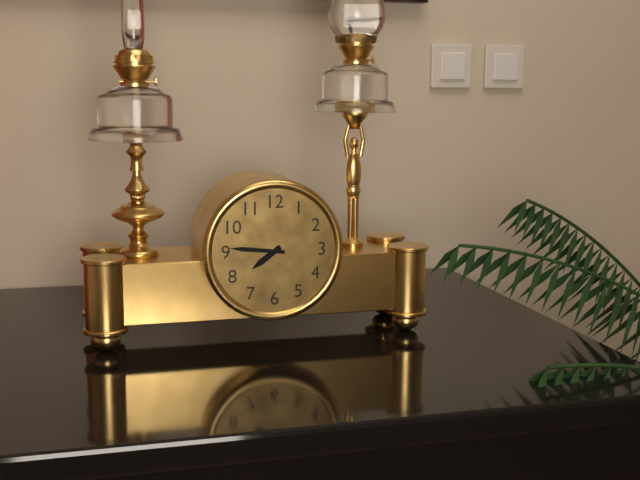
**7:46**
